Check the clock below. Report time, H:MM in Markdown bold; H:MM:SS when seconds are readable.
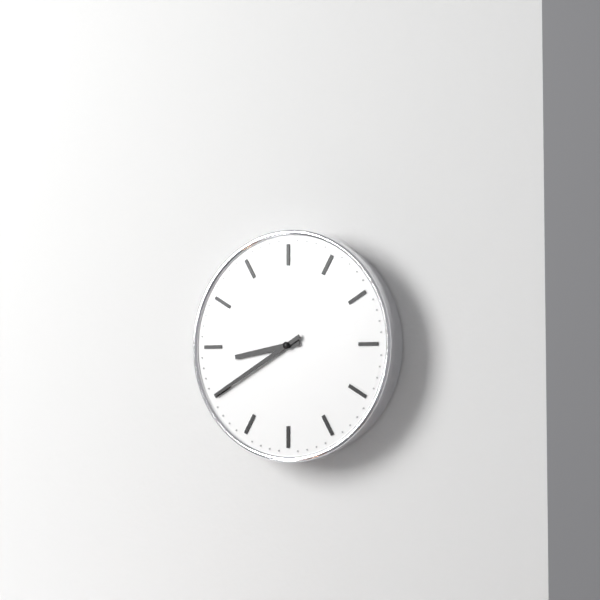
**8:40**
